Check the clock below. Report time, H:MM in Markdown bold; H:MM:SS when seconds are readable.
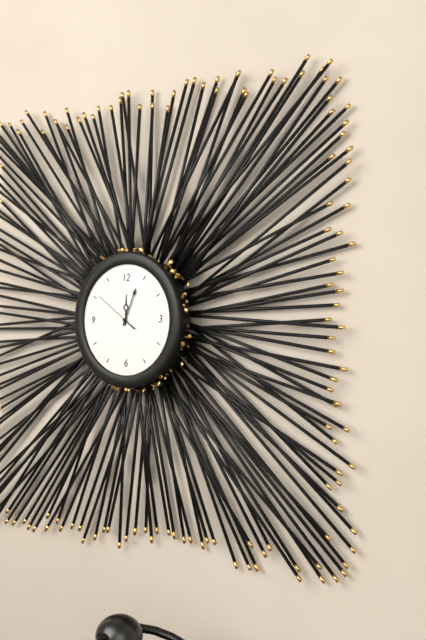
**12:04**
